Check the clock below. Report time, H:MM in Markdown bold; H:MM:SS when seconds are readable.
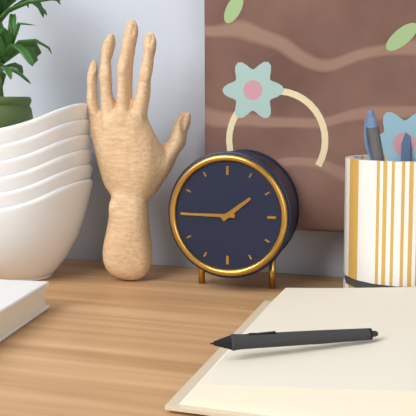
**1:45**
